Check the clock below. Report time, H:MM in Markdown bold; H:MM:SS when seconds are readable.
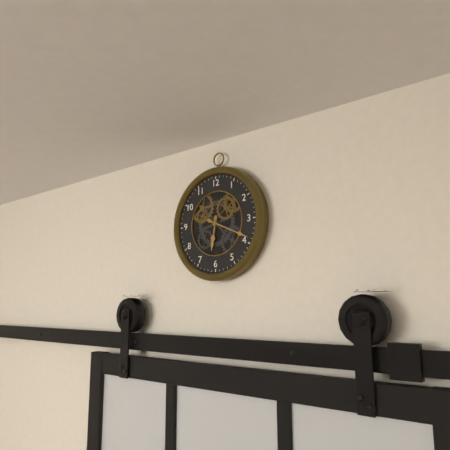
**6:19**
